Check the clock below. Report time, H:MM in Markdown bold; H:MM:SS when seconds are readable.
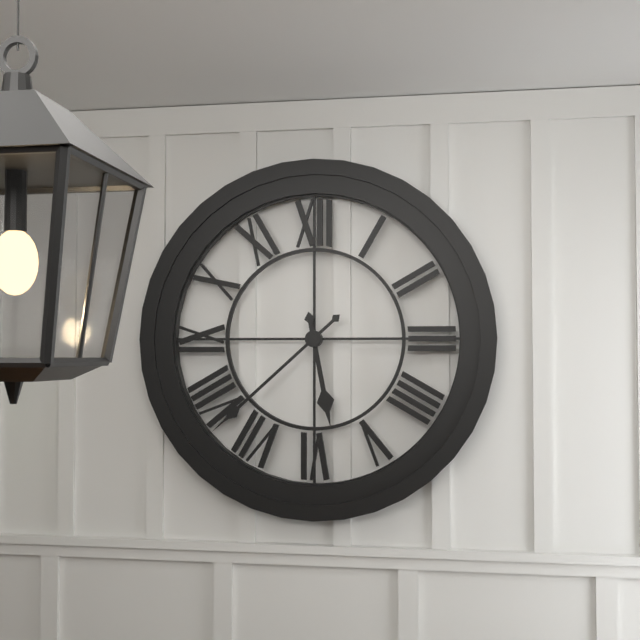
**5:38**
